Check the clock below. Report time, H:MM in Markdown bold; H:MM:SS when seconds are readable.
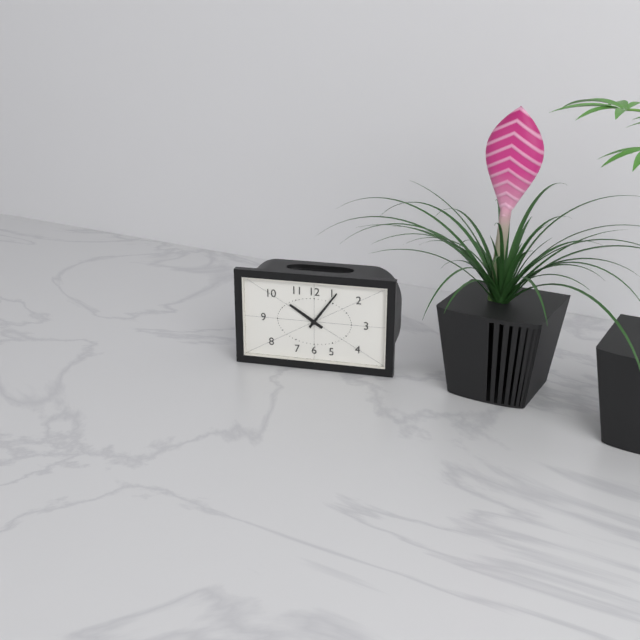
**10:06**
